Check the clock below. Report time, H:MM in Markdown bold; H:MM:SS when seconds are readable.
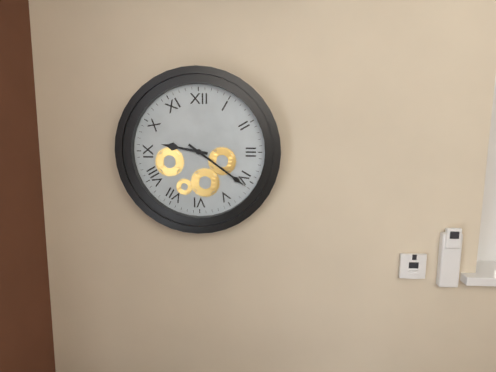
**9:21**
